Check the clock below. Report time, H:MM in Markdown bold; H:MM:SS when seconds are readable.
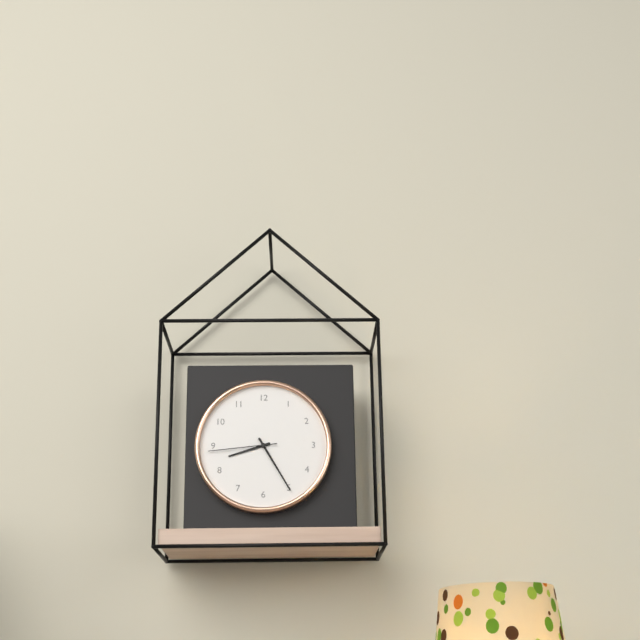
**8:25:44**
